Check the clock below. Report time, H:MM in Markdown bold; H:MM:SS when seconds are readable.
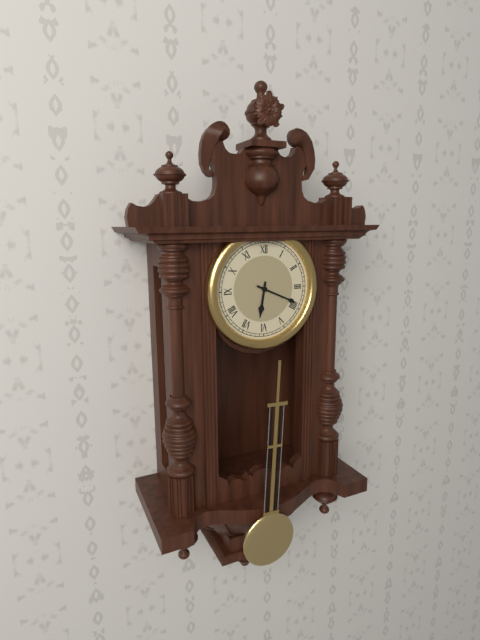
**6:19**
